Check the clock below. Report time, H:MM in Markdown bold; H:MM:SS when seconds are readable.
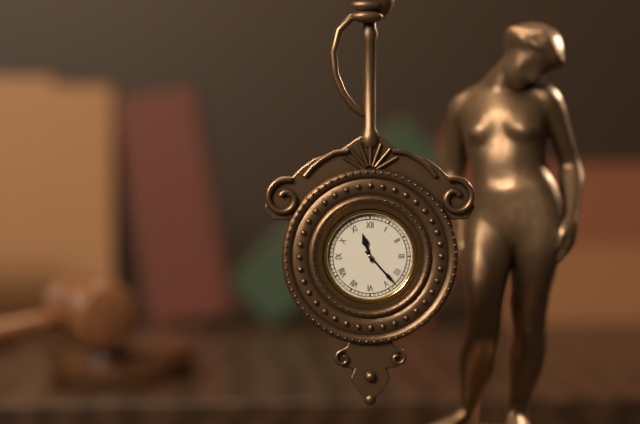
**11:23**
